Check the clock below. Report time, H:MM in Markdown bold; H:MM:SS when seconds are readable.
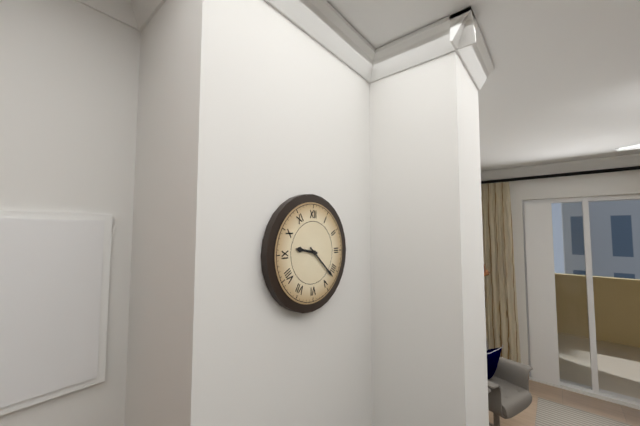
**9:22**
